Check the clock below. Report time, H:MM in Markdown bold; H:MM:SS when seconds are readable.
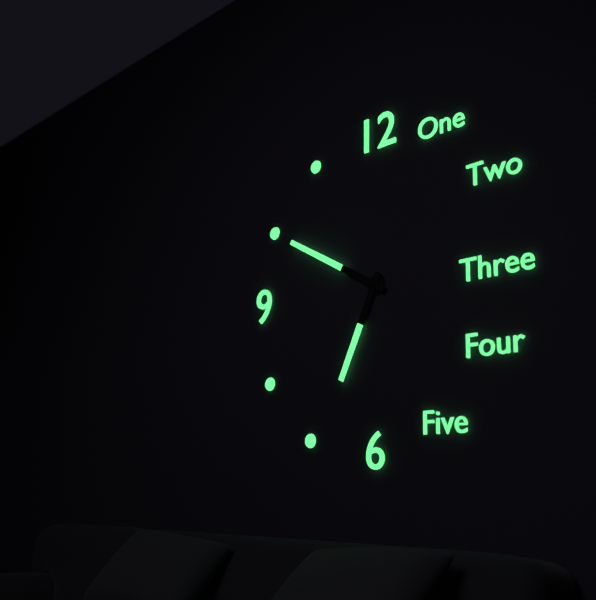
**6:50**
